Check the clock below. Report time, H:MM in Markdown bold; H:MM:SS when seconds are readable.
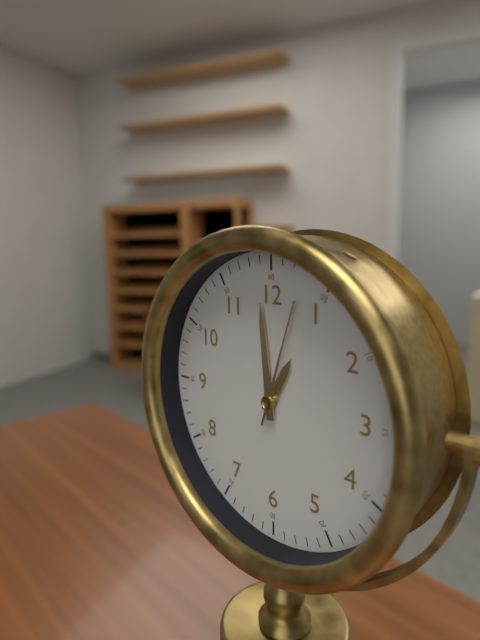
**12:59:03**
